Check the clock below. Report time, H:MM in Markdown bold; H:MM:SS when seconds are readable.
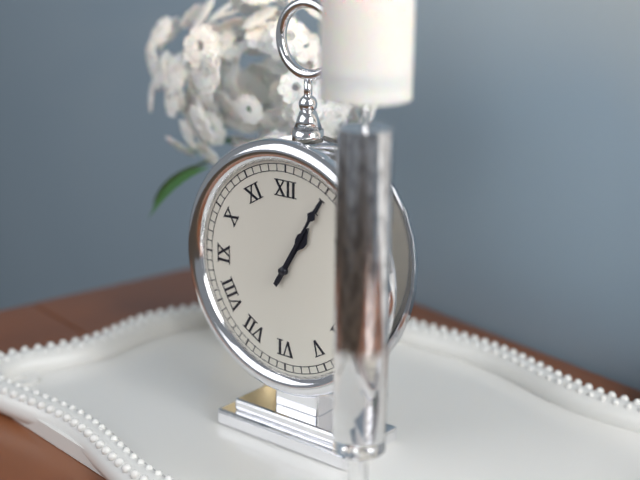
**1:05**
